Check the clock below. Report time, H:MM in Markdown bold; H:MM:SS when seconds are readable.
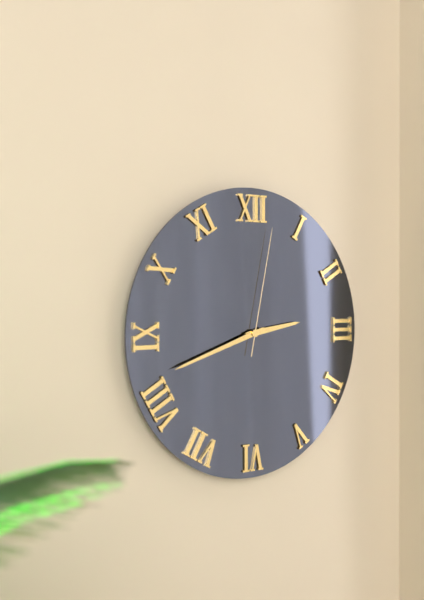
**2:42:02**
